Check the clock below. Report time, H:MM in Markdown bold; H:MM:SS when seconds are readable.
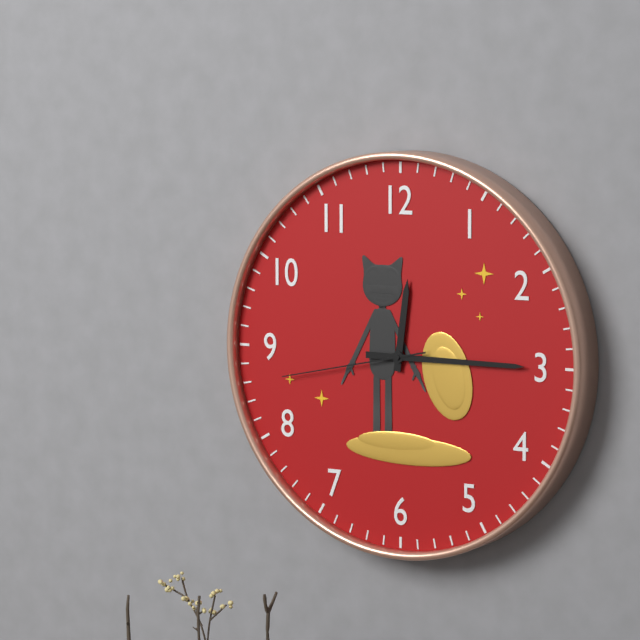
**12:15:43**
